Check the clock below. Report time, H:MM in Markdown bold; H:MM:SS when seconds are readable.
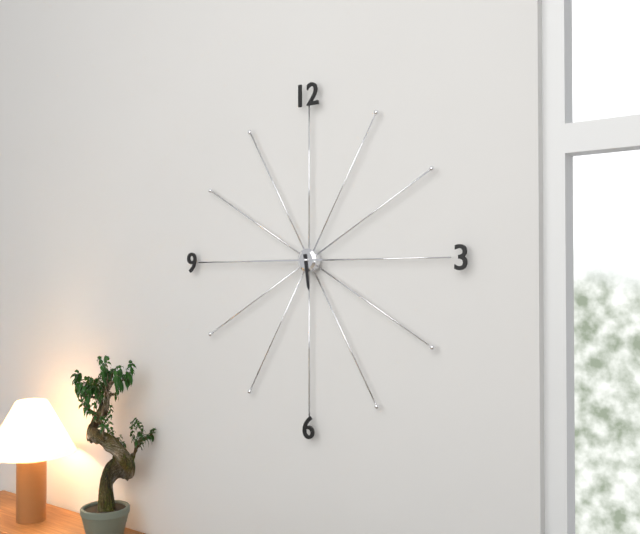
**5:45**
